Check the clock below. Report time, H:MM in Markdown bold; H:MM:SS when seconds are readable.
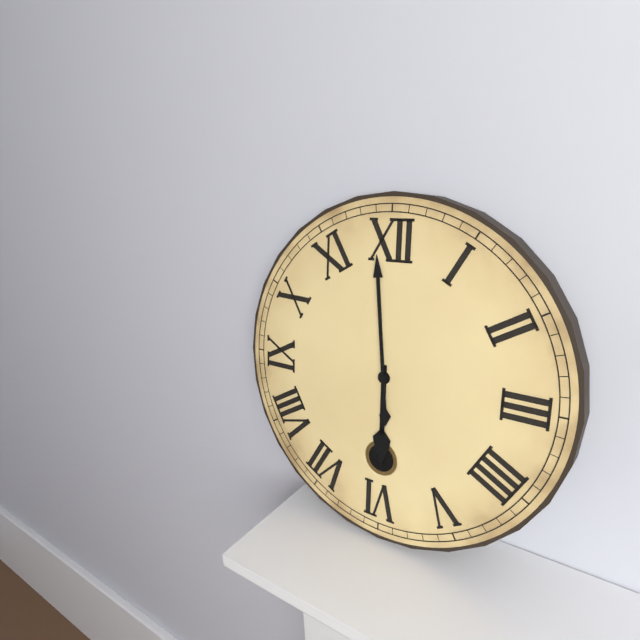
**5:59**
